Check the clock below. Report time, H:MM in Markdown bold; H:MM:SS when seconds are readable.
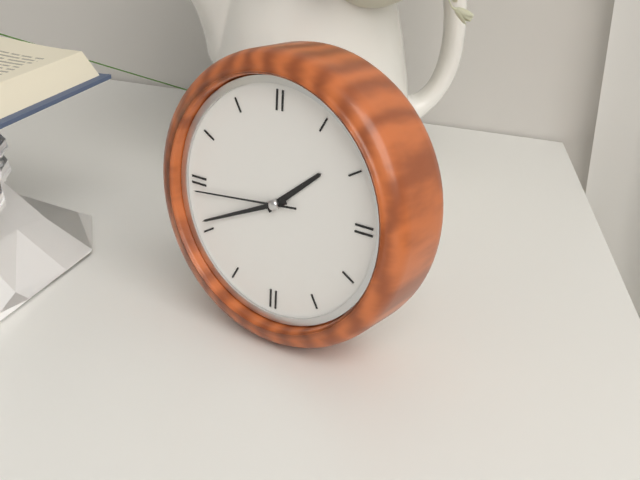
**1:41:44**
